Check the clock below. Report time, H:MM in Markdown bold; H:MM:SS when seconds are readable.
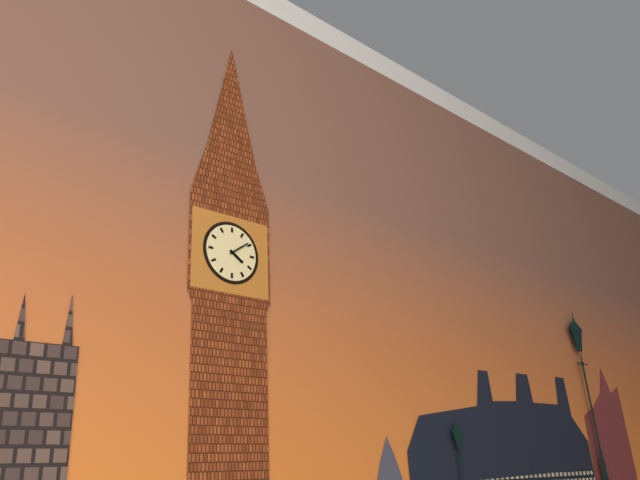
**4:09**
